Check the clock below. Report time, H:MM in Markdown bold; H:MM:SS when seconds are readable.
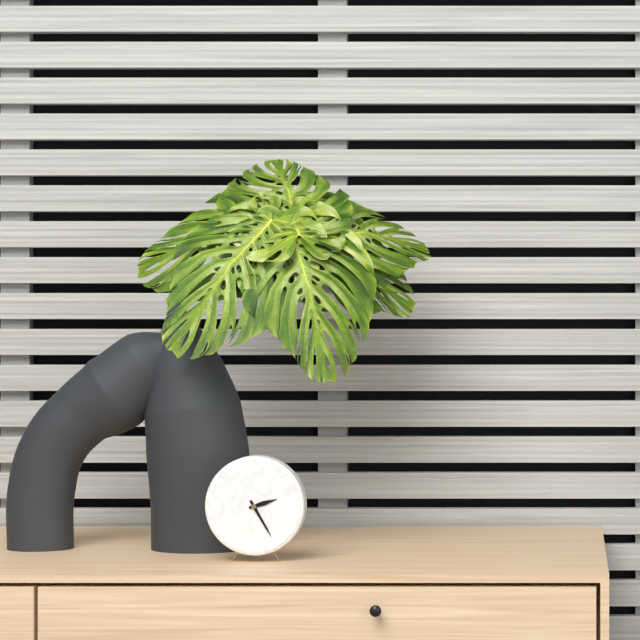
**2:25**
